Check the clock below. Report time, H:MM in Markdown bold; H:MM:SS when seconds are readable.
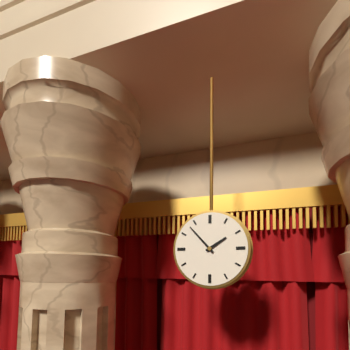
**1:53**
